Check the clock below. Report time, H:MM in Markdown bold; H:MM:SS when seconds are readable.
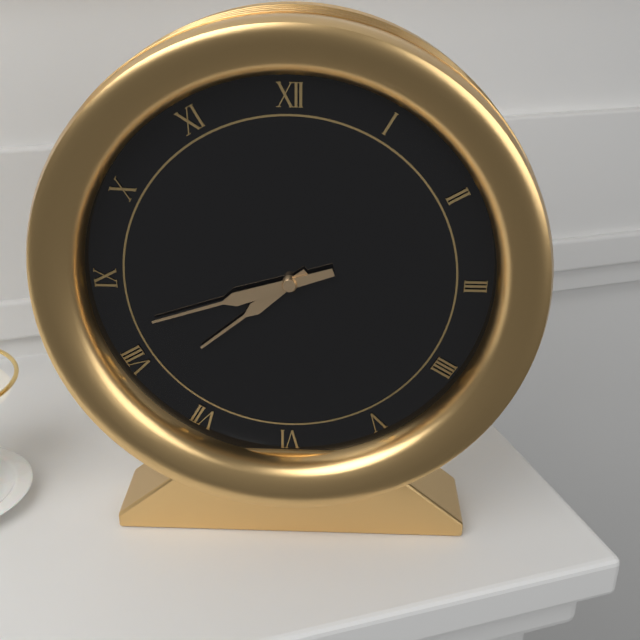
**7:42**
